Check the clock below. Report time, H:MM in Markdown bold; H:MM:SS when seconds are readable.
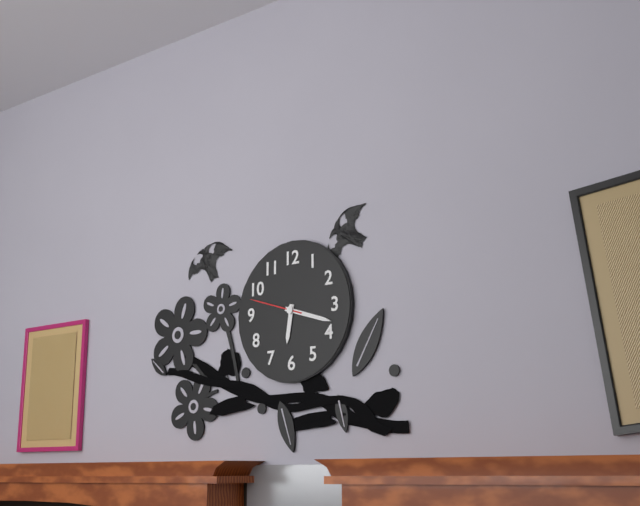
**6:18:48**
